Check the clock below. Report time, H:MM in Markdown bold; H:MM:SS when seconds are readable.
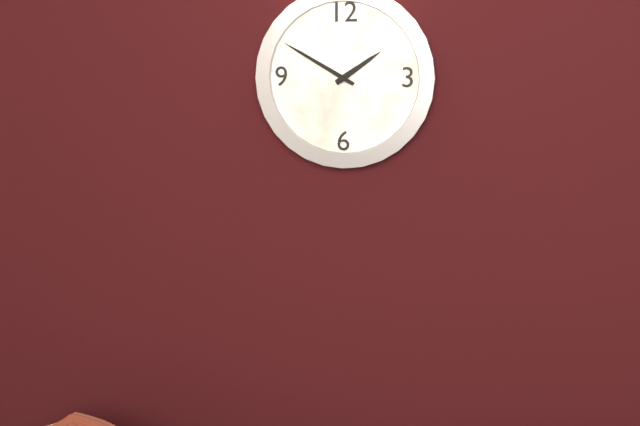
**1:50**
